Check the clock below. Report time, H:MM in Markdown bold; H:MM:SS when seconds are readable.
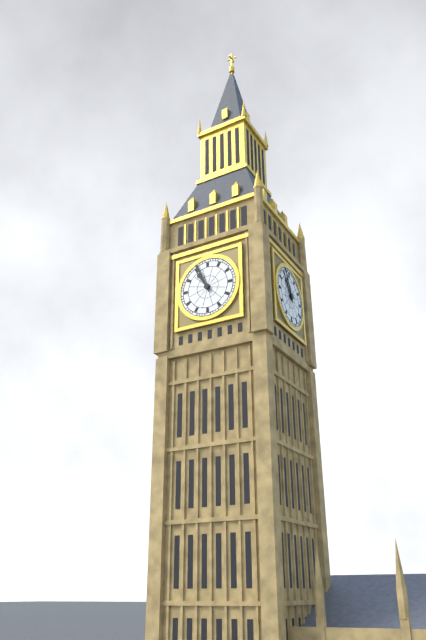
**10:56**
